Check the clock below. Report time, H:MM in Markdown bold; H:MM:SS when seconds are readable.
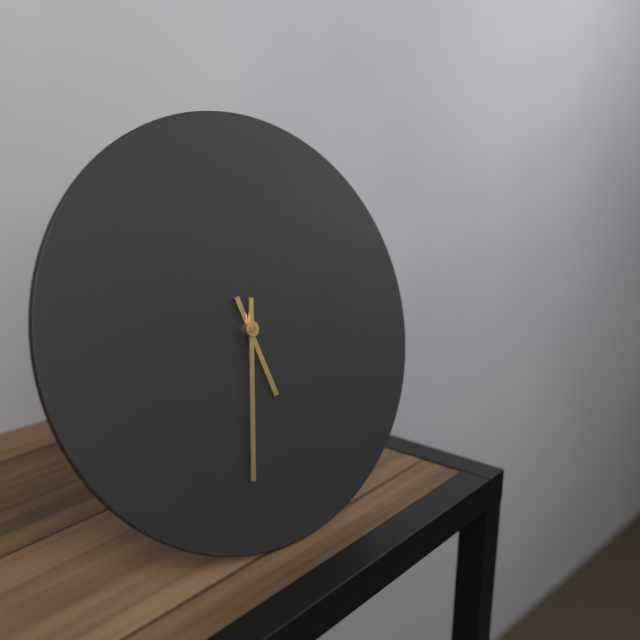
**5:32**
